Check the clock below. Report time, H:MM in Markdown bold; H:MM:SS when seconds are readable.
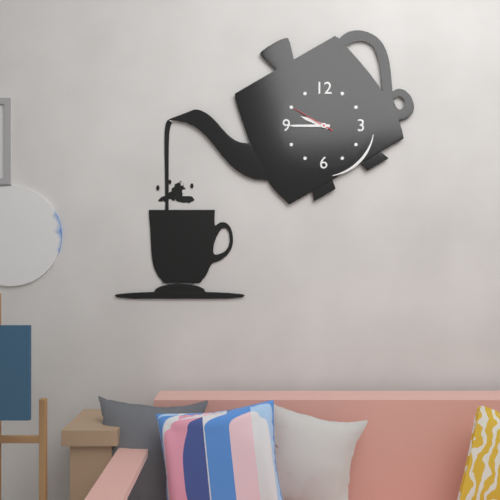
**9:45**
